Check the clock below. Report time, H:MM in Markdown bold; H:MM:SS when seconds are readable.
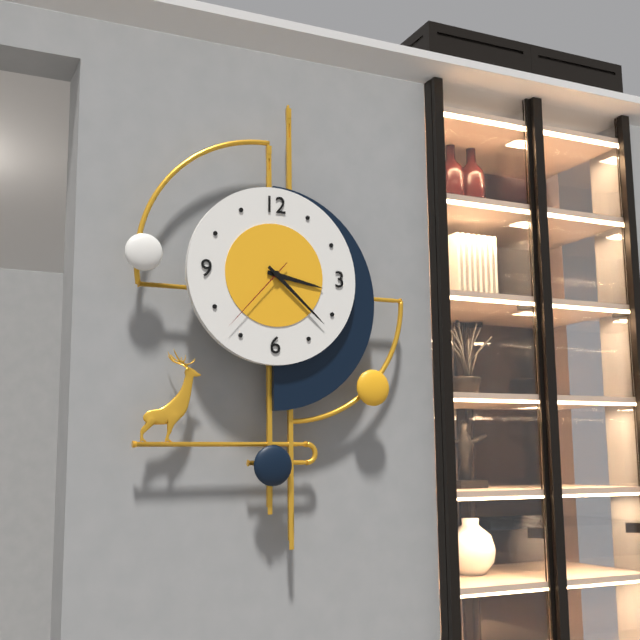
**3:22:37**
